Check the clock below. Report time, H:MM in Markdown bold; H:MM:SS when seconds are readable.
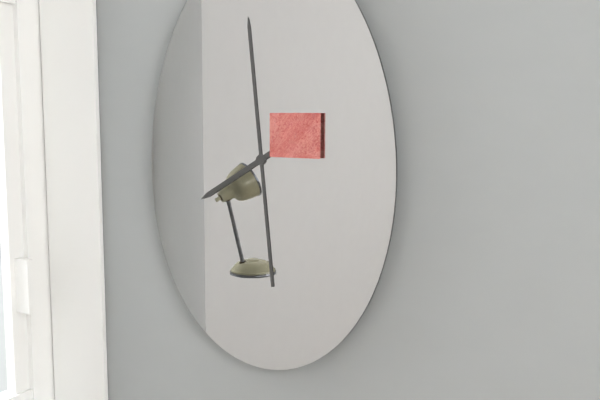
**7:59**
